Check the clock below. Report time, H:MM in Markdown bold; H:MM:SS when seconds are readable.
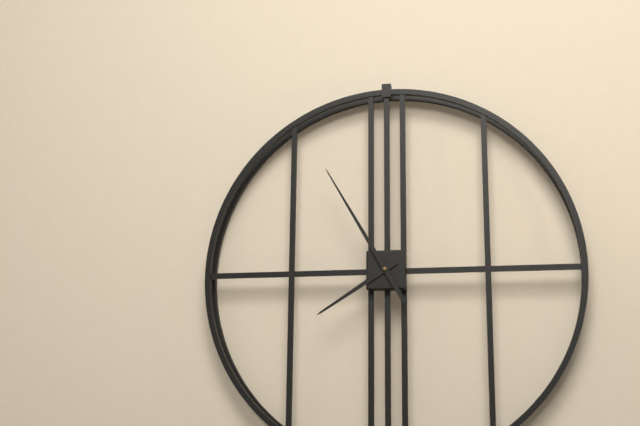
**7:55**
